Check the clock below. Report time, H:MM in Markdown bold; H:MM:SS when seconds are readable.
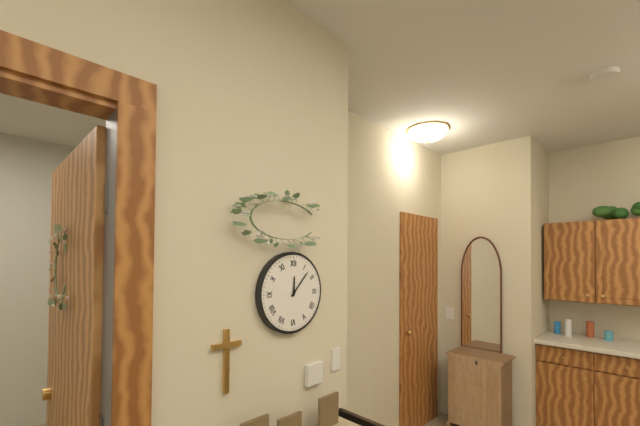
**12:07**
